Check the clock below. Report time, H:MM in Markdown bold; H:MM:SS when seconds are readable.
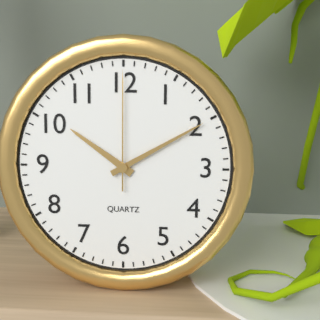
**10:10:00**
